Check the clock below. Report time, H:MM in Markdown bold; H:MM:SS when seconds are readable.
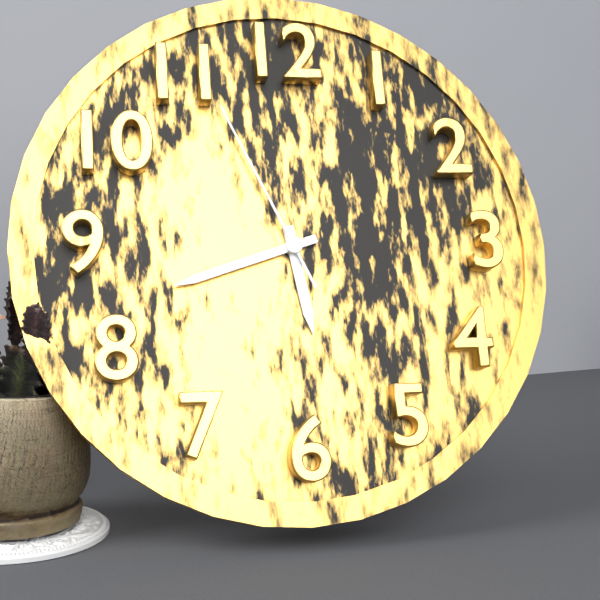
**5:42:56**
